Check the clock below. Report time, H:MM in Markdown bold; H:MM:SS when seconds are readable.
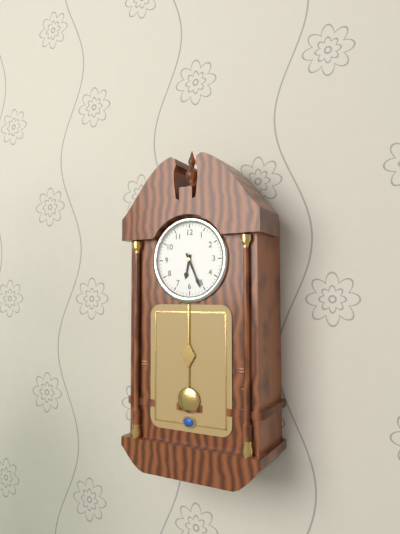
**6:26**
